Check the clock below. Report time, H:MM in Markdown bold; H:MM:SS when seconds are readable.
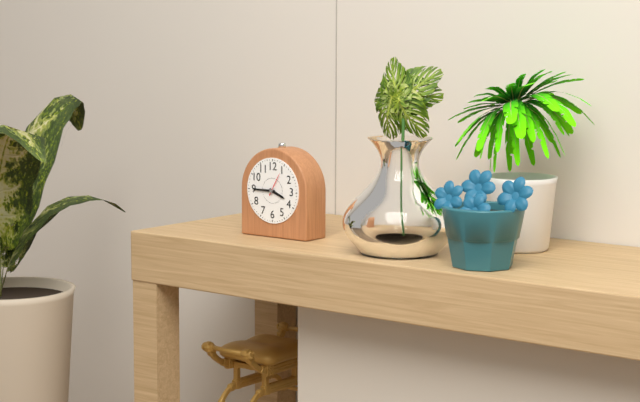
**3:45**
